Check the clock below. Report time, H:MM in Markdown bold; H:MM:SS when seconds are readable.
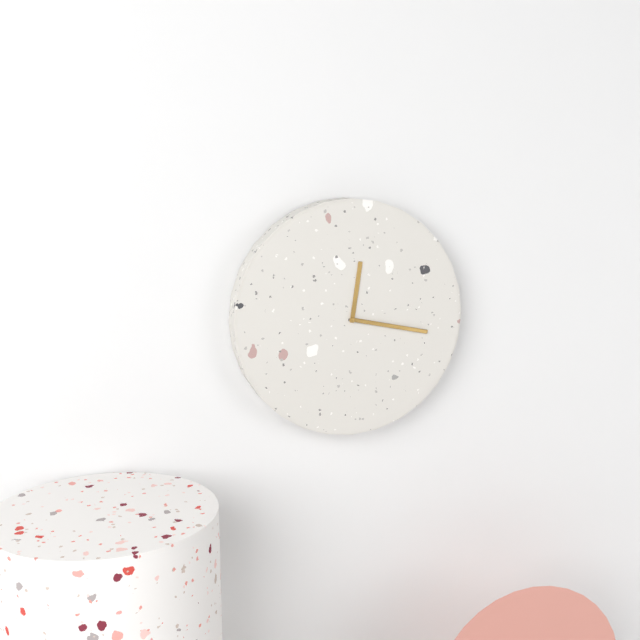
**12:17**
